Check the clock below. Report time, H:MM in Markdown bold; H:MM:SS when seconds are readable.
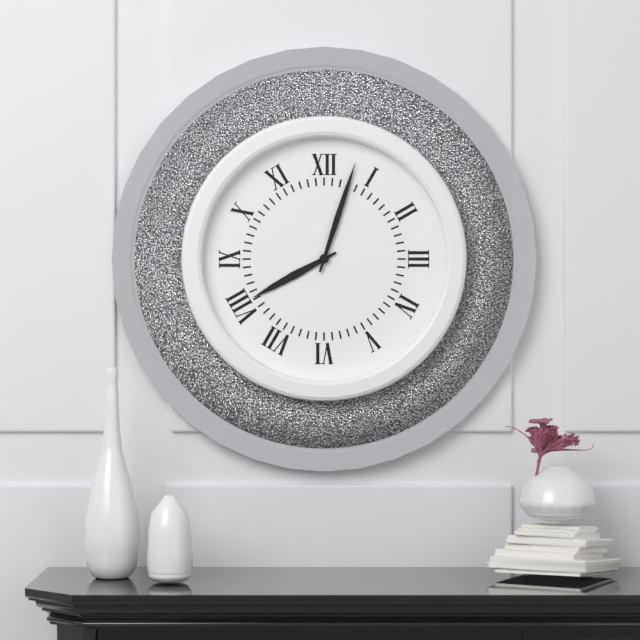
**8:03**
